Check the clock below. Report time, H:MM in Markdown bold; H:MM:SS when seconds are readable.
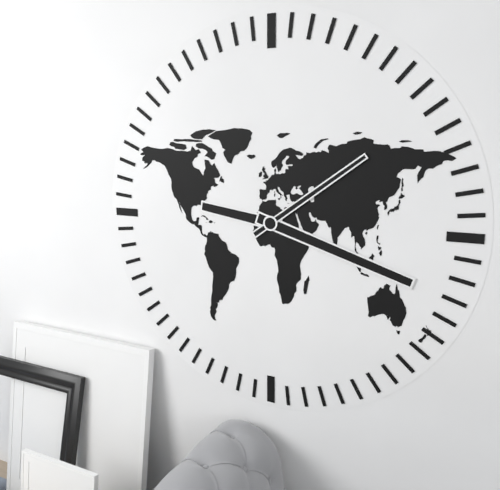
**9:18:09**
